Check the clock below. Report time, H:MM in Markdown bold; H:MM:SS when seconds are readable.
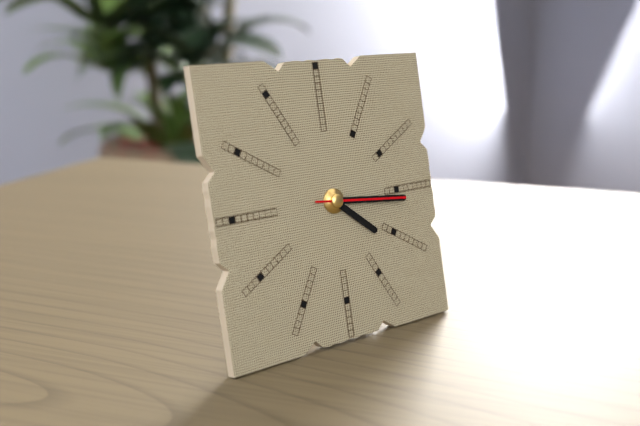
**4:16:16**
